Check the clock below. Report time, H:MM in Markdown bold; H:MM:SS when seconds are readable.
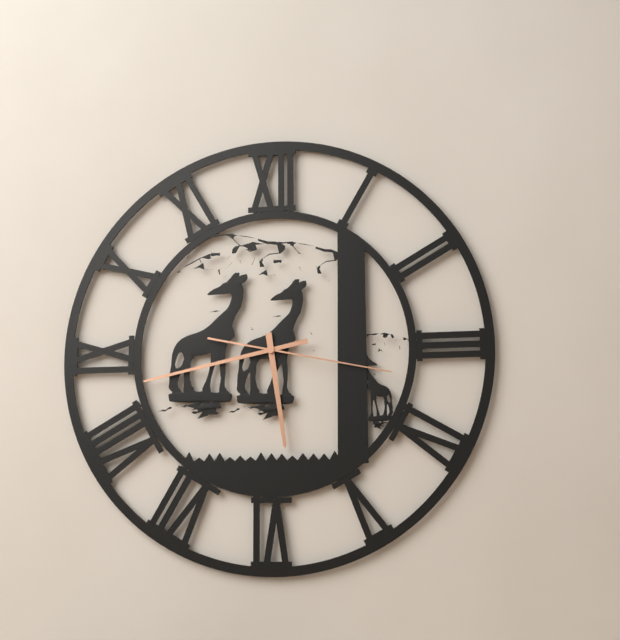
**5:43:17**
